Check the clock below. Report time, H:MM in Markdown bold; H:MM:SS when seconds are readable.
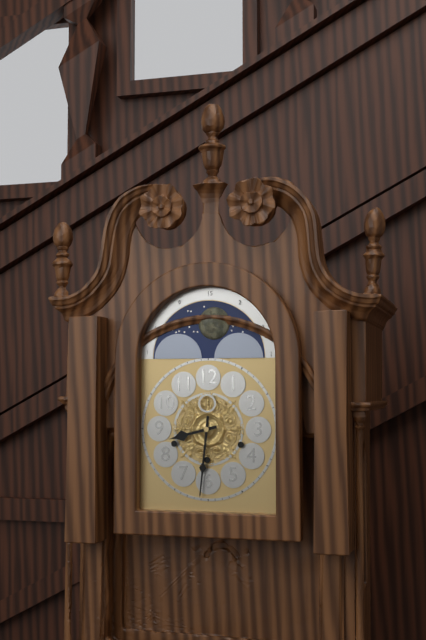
**8:31**
